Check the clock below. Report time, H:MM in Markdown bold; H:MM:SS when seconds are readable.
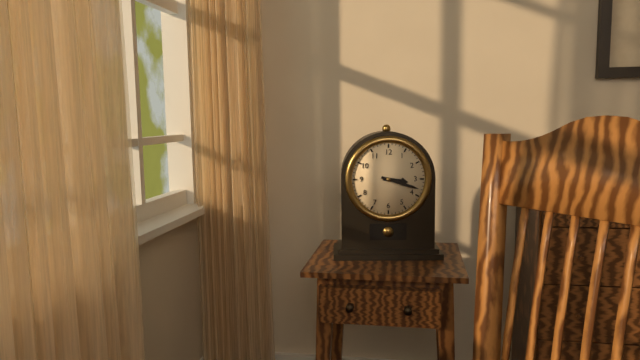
**3:18**
